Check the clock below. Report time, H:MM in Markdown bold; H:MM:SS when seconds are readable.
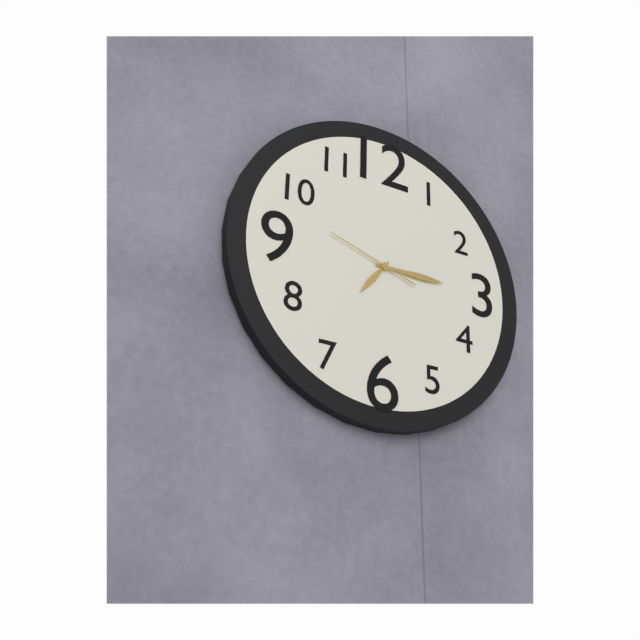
**7:15:48**
